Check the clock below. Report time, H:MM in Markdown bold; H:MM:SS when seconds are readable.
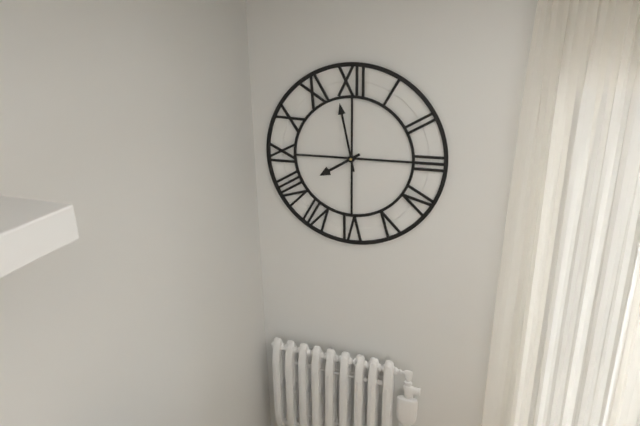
**7:58**
